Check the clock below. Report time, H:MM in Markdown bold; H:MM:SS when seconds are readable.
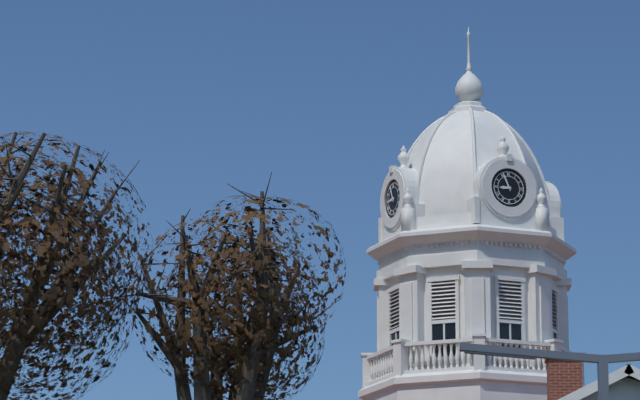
**8:56**
